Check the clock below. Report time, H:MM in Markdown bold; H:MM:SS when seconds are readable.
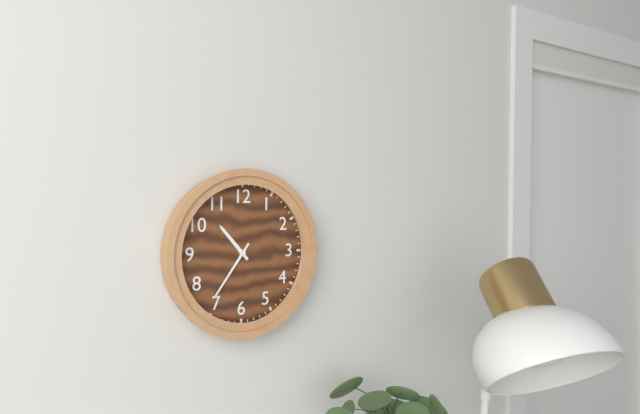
**10:36**
